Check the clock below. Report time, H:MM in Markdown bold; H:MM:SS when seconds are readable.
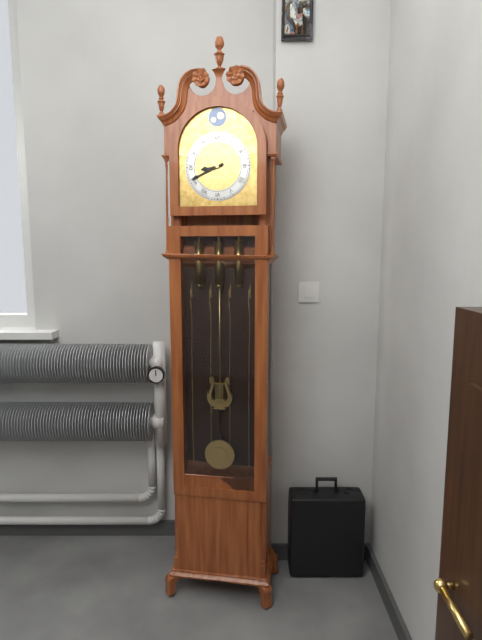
**8:41**
